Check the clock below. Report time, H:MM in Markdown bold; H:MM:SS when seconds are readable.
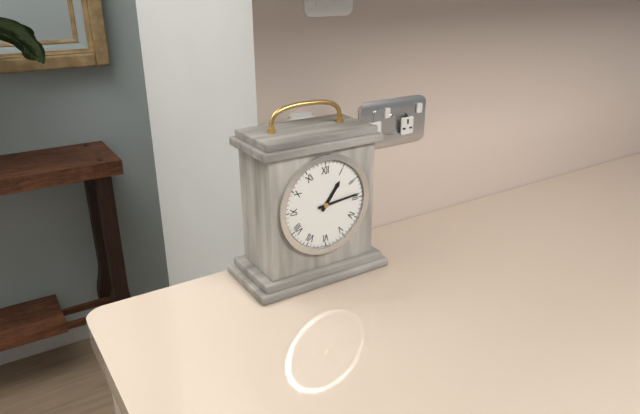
**1:14**
